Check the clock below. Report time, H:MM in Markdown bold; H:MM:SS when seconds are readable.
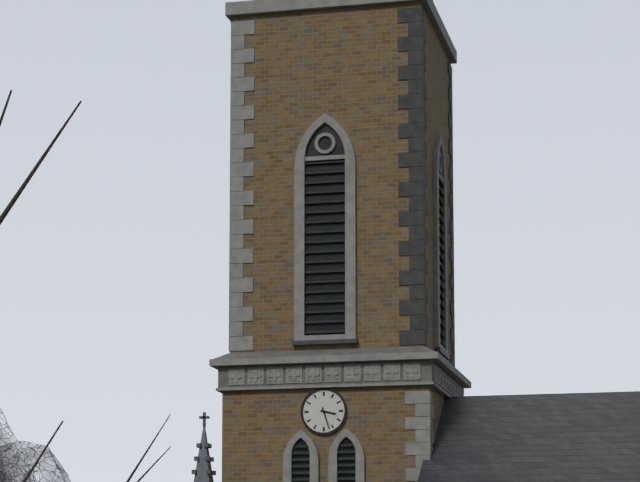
**3:27**
